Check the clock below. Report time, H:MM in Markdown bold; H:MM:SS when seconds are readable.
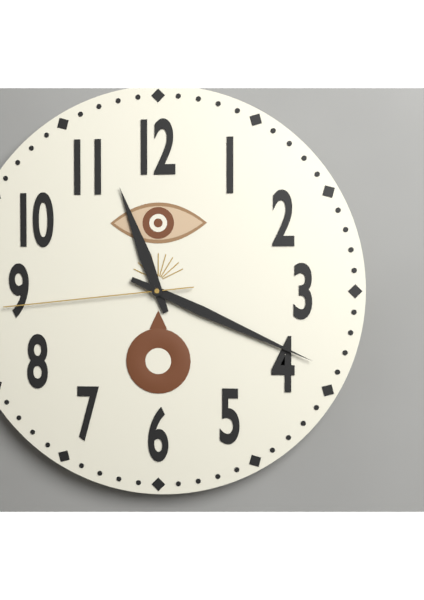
**11:19:44**
